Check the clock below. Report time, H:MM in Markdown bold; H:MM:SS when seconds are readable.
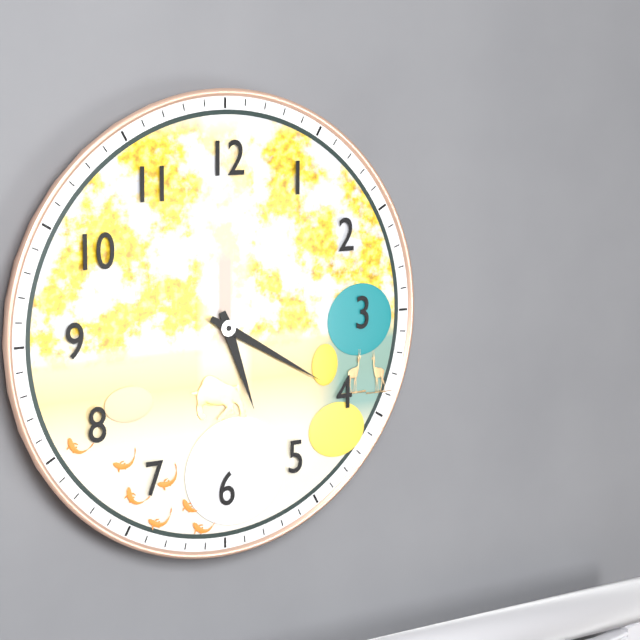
**5:20**
